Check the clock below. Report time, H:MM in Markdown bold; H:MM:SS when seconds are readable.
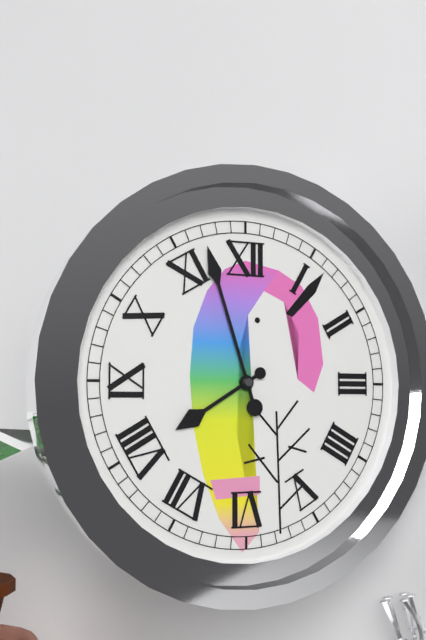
**7:57**
